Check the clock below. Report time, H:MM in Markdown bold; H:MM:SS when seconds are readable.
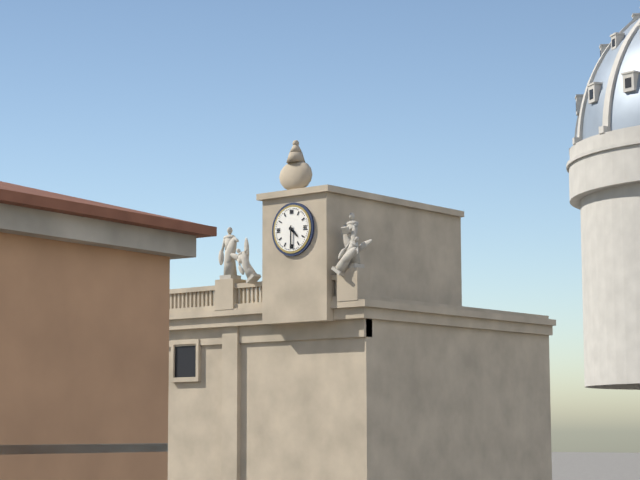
**4:30**
